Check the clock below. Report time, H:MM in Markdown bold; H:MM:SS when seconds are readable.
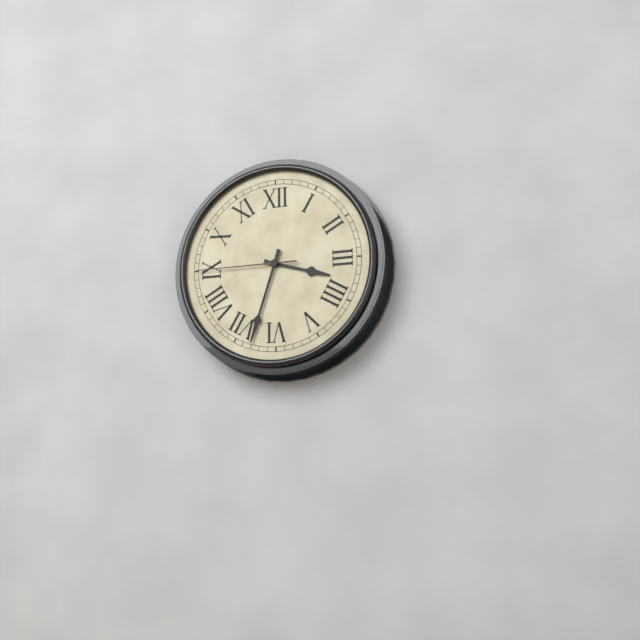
**3:33:45**
